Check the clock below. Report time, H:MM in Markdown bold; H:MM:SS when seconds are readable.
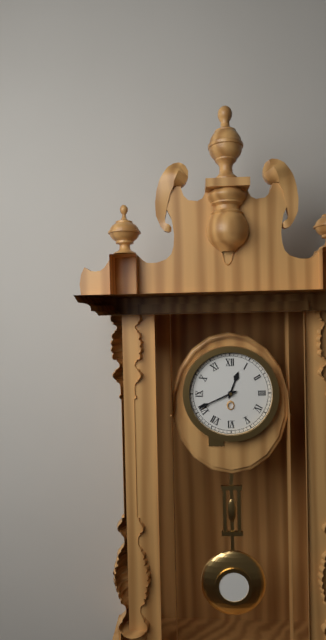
**12:41**
